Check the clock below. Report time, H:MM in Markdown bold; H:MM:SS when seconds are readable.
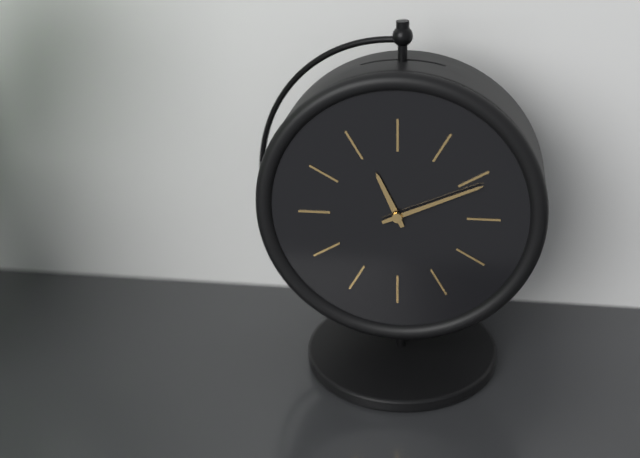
**11:11**
